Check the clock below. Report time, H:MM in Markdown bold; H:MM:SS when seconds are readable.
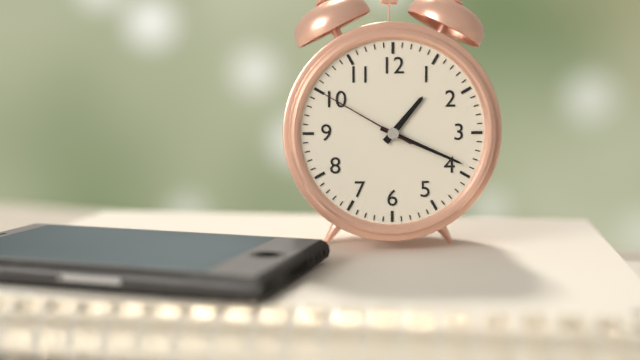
**1:19:50**
